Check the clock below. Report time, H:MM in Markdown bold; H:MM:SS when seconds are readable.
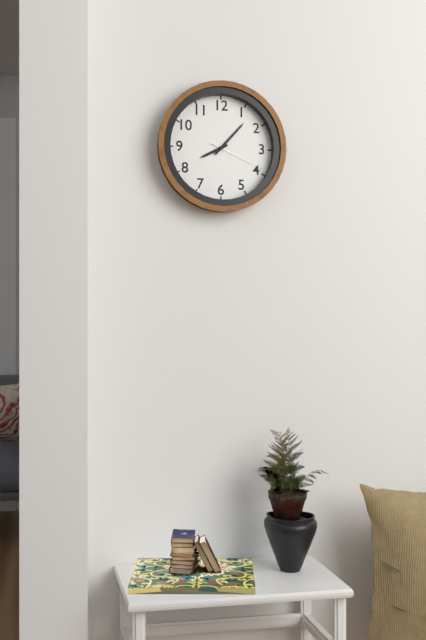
**8:07:19**
